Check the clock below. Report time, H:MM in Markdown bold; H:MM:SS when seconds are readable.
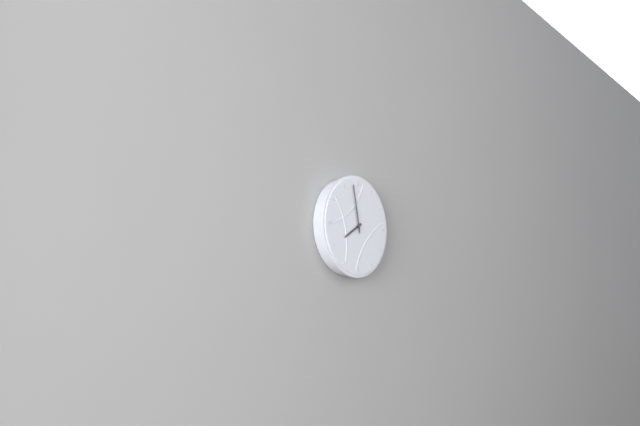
**7:58**
